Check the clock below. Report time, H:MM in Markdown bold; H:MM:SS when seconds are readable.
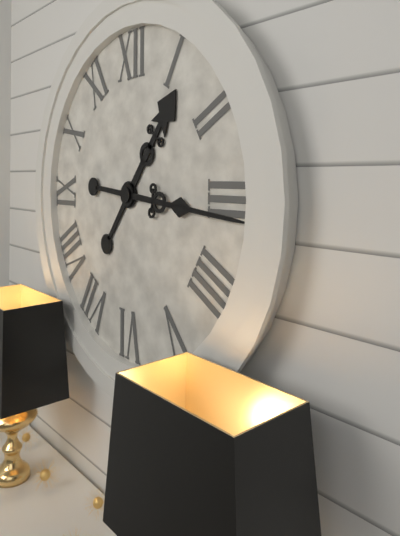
**1:16**
